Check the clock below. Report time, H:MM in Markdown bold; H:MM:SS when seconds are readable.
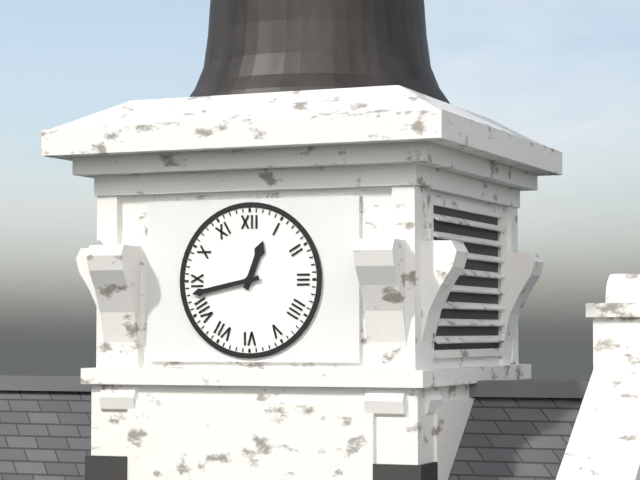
**12:43**
